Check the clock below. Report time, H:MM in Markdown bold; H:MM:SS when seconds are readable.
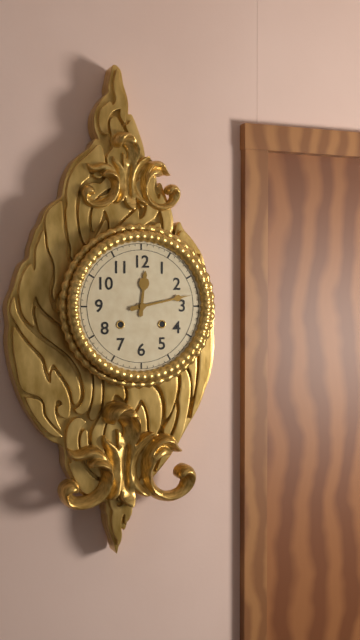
**12:13**
